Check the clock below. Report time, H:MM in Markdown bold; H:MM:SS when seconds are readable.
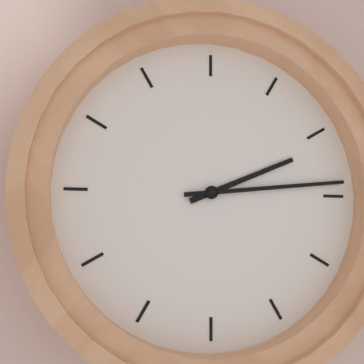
**2:14**
